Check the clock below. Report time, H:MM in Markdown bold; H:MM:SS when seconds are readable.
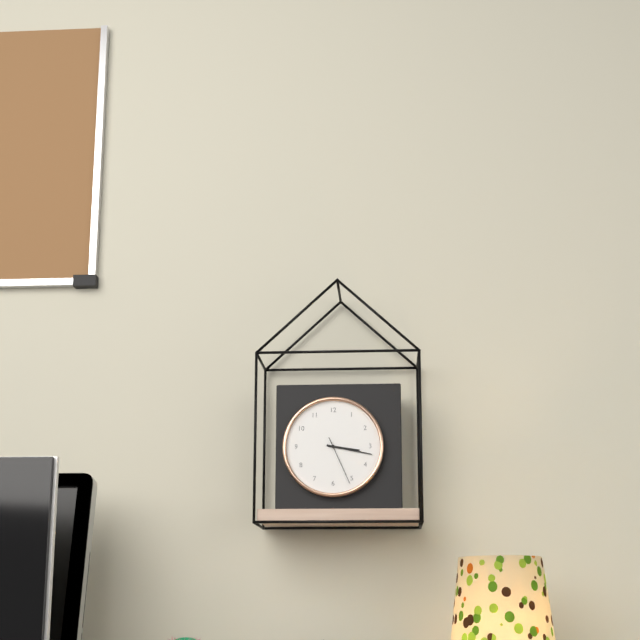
**3:17:26**
